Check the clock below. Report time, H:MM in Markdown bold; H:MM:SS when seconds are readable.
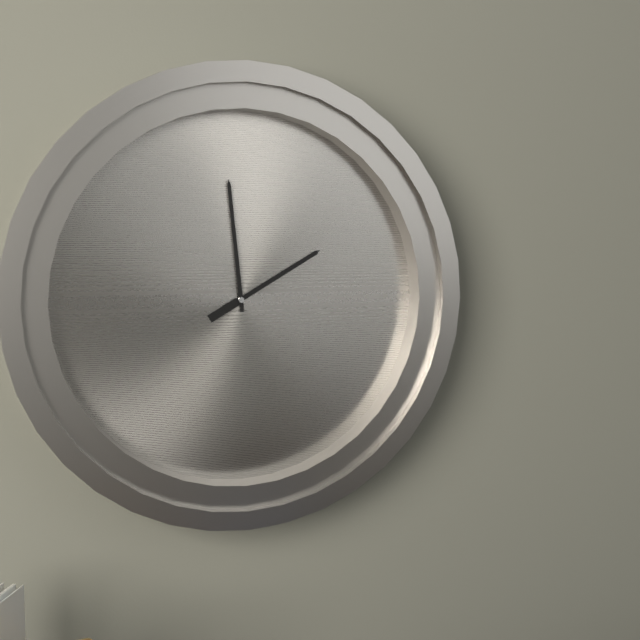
**1:59**
